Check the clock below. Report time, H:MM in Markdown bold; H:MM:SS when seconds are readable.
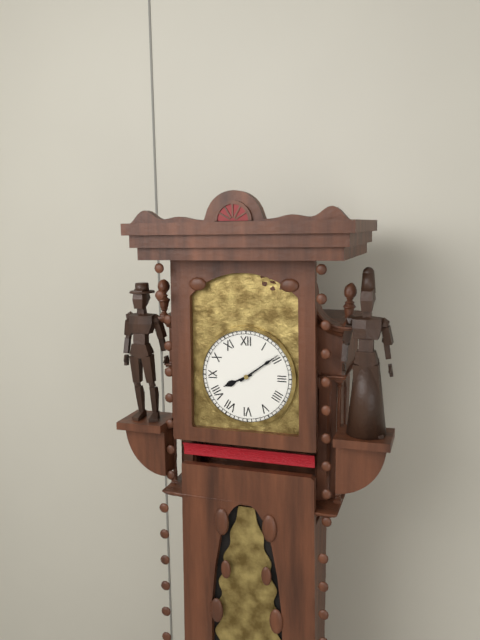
**8:09**
